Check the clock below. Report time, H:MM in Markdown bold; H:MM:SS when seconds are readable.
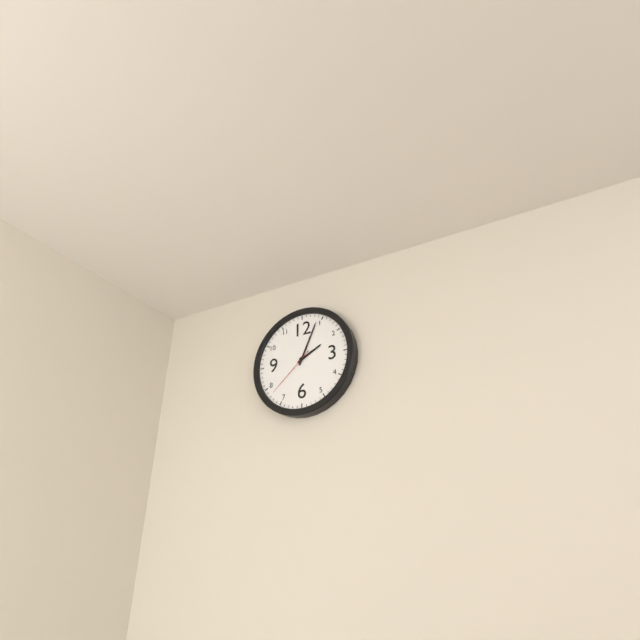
**2:04:38**
